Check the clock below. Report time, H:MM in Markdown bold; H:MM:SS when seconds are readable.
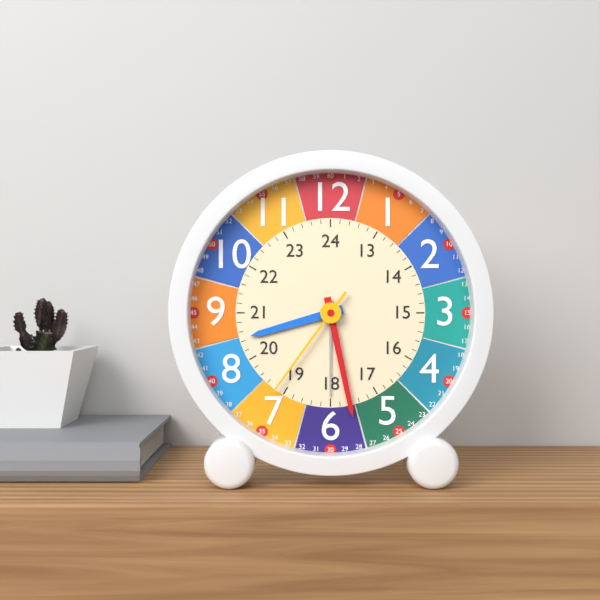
**8:28:36**
